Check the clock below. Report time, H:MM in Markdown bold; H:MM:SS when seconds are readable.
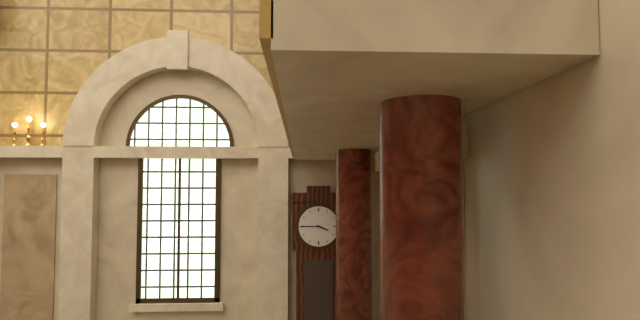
**3:45**
